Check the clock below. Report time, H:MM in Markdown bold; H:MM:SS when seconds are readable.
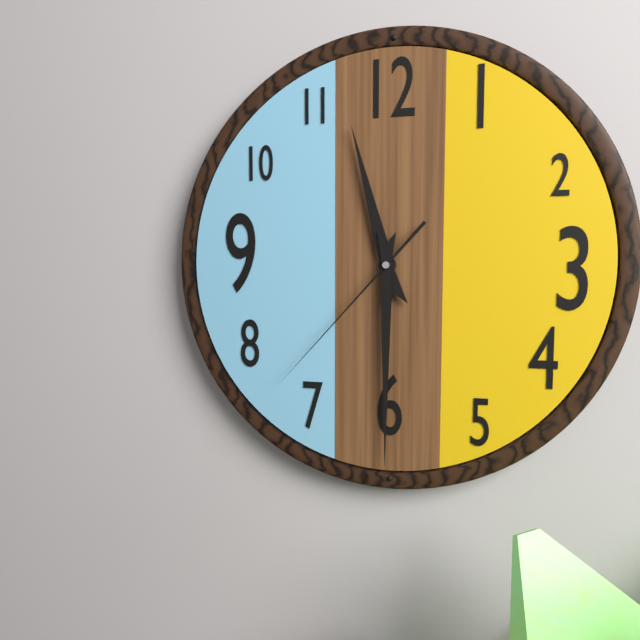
**11:30:37**
